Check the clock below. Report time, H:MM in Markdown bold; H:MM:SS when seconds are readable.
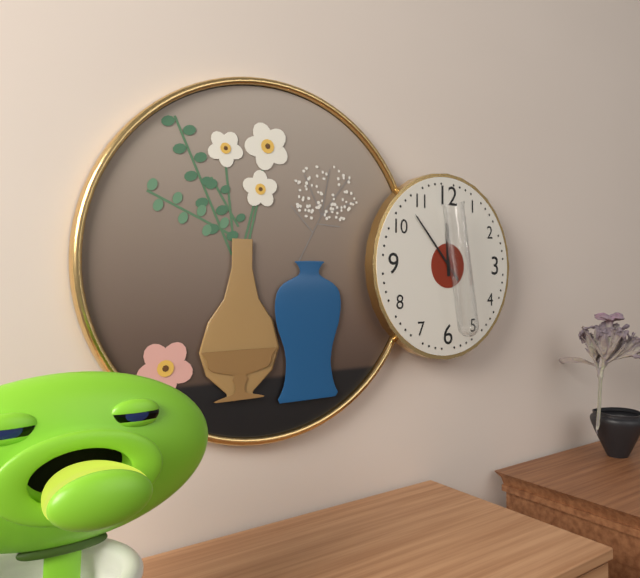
**11:53**
